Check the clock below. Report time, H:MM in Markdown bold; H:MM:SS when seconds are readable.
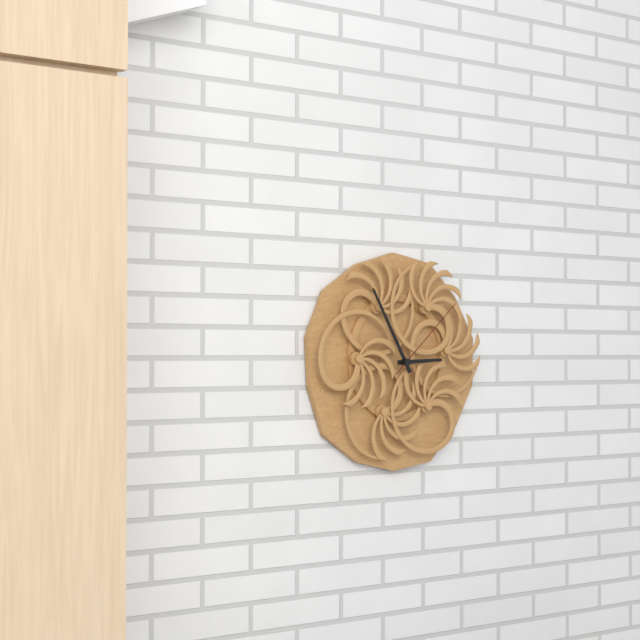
**2:55:08**
